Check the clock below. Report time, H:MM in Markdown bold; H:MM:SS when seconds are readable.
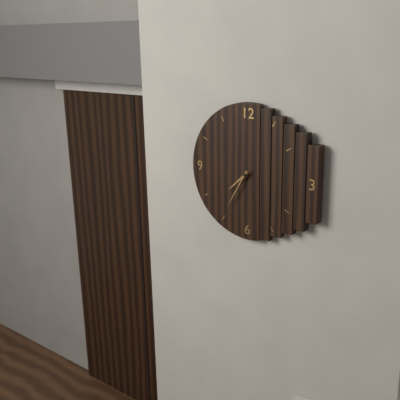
**7:35**
